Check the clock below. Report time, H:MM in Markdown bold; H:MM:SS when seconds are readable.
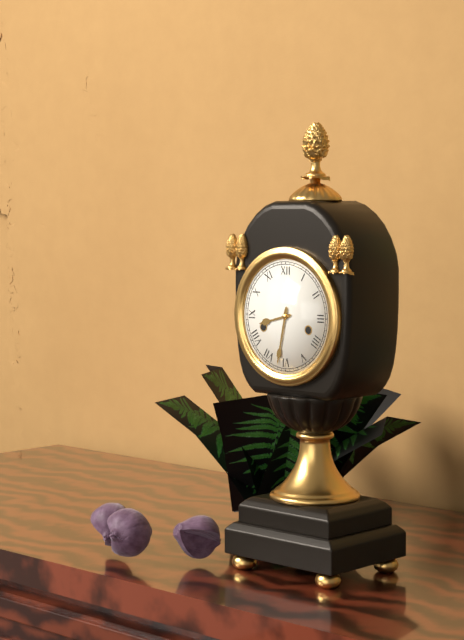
**8:32**
